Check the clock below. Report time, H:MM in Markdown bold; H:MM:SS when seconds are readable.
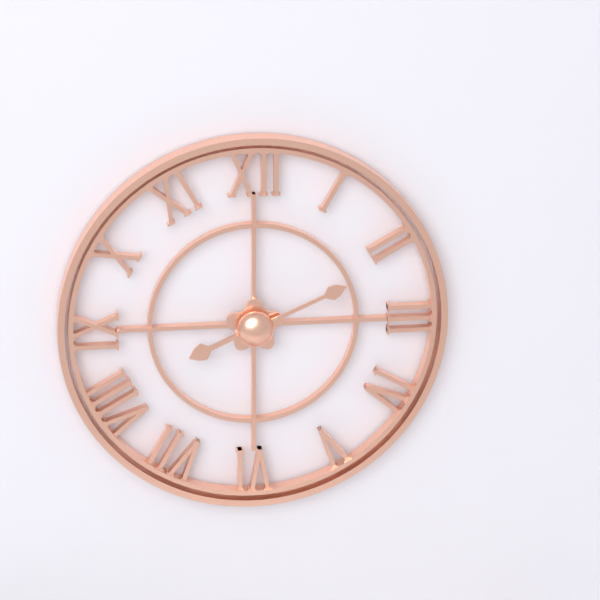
**8:11**
